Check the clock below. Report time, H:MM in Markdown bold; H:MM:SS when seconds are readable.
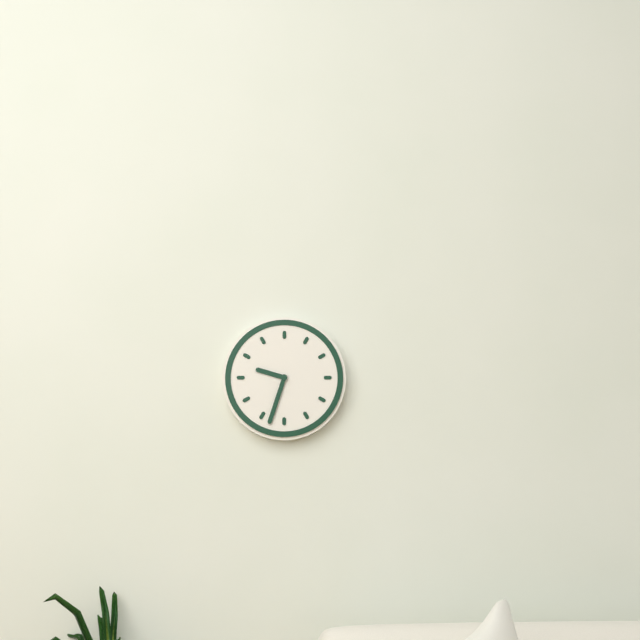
**9:33**
